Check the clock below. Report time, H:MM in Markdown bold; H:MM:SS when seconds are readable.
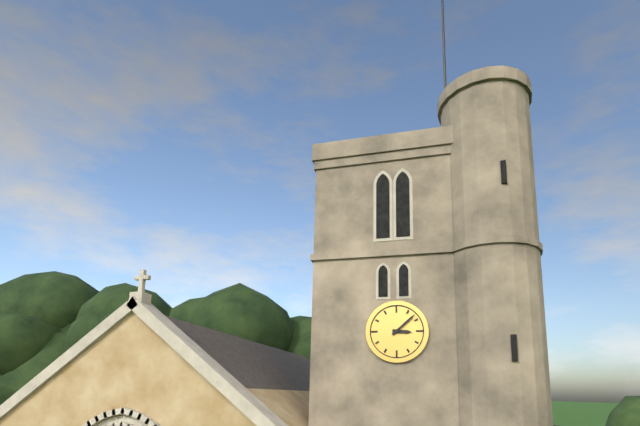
**3:08**
